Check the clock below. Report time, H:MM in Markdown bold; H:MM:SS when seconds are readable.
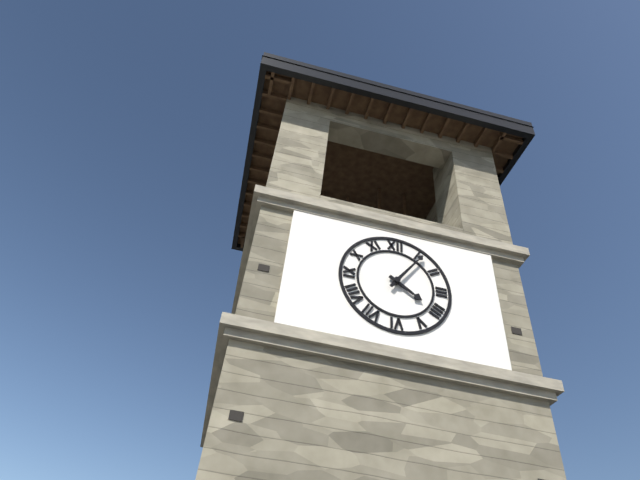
**4:06**
